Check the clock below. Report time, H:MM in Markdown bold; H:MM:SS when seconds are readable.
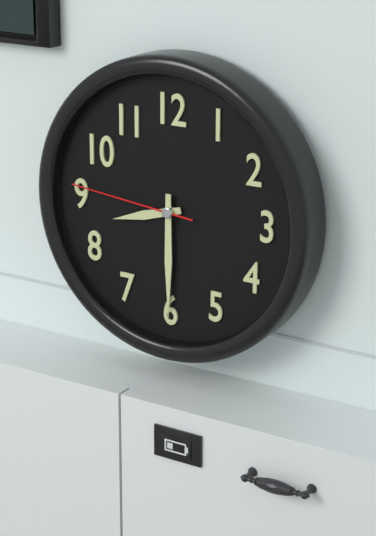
**8:30:46**
